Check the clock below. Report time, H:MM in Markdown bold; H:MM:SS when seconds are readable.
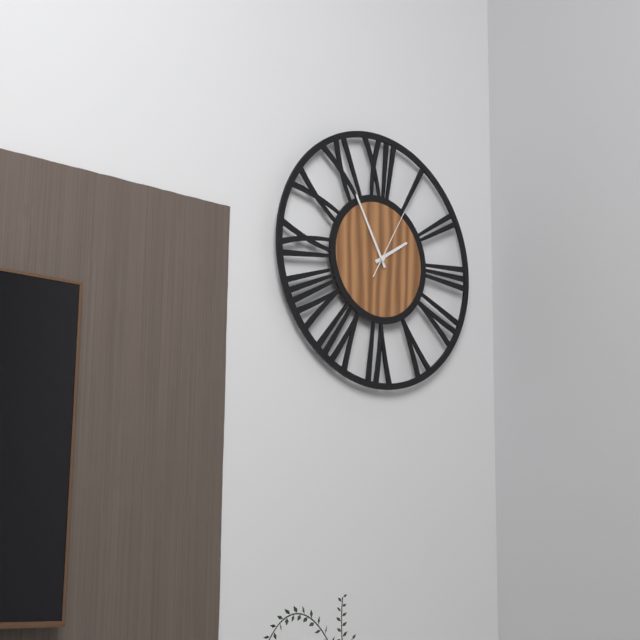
**1:55:05**
